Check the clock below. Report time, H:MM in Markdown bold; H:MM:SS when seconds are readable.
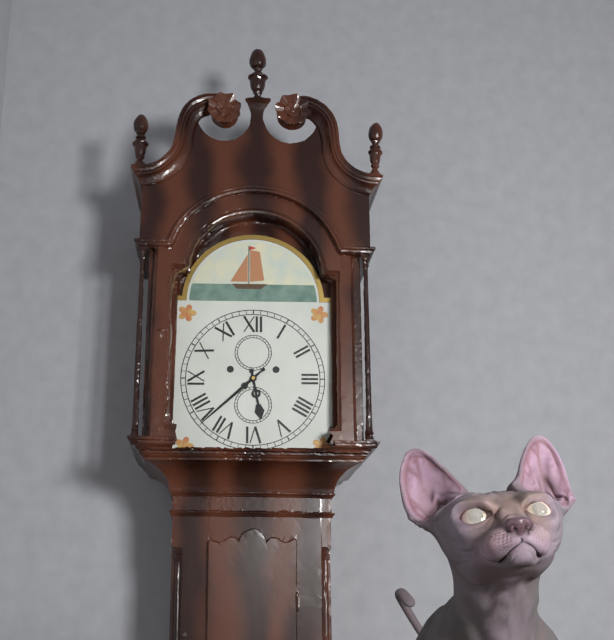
**5:38**
